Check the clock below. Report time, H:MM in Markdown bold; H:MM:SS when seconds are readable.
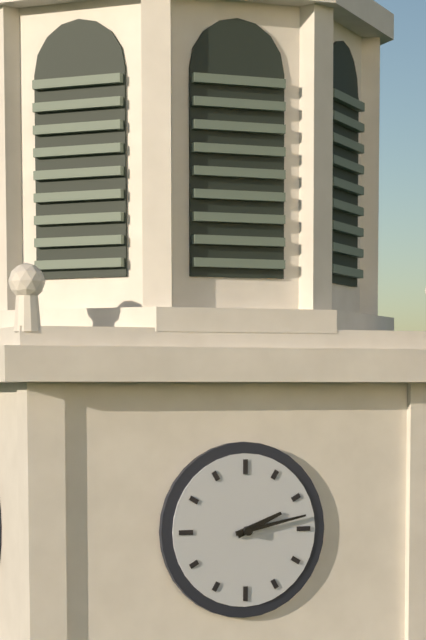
**2:13**
